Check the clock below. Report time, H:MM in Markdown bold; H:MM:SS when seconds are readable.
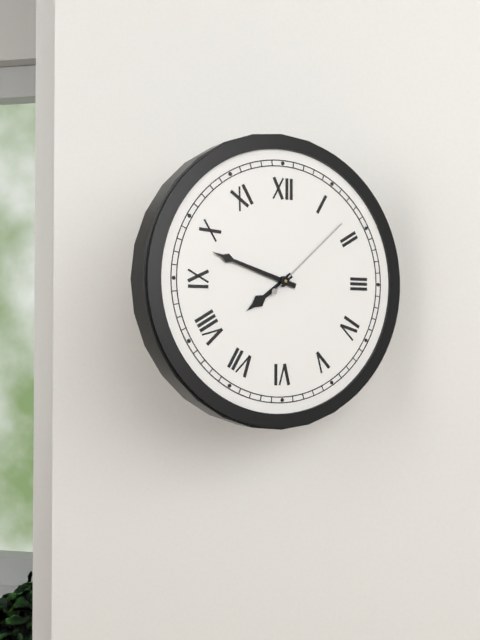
**7:48:08**
